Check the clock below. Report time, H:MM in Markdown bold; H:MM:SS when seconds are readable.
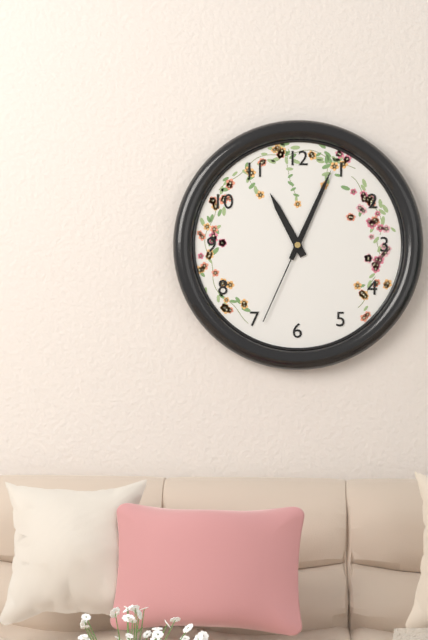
**11:04:34**
